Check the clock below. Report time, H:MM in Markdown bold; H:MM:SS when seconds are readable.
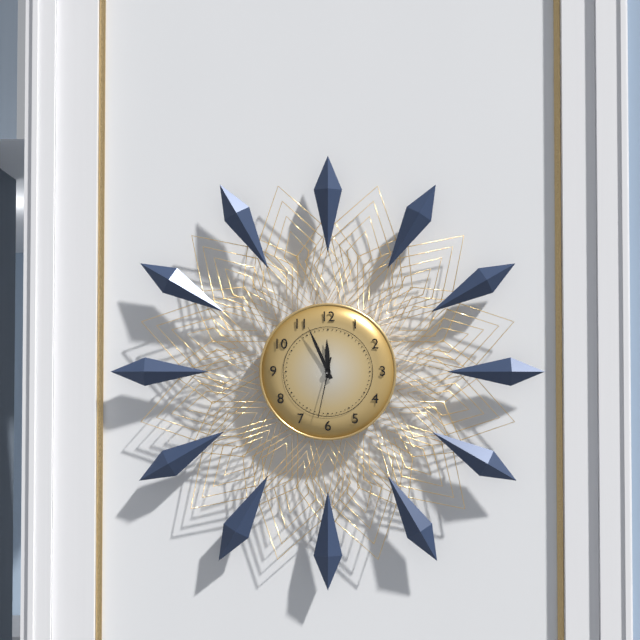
**11:56:32**
